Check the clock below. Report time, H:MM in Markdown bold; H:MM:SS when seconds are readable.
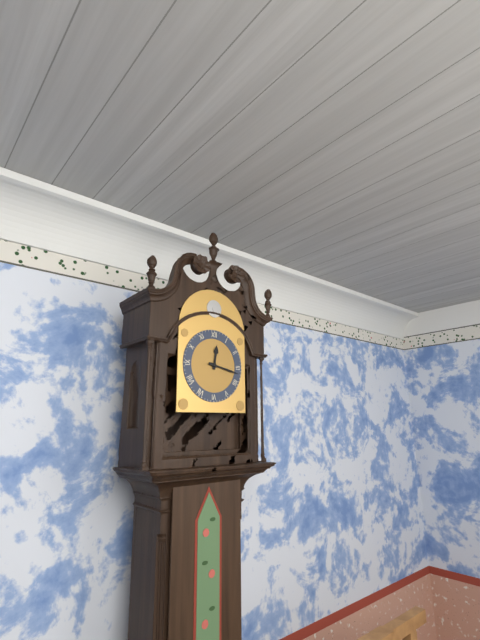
**12:17**
